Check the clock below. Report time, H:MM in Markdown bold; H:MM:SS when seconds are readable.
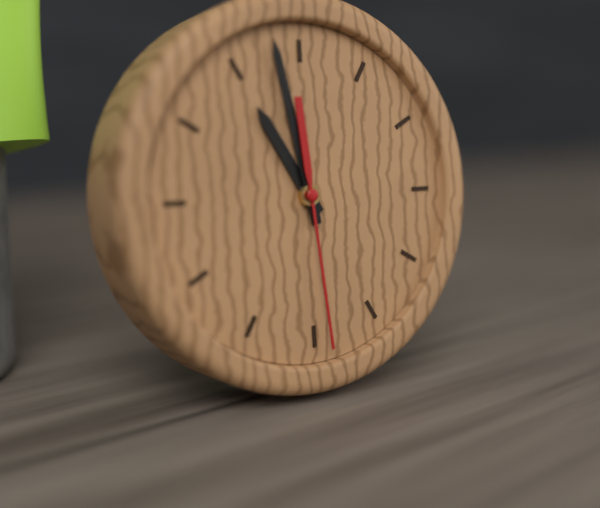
**10:58:29**
